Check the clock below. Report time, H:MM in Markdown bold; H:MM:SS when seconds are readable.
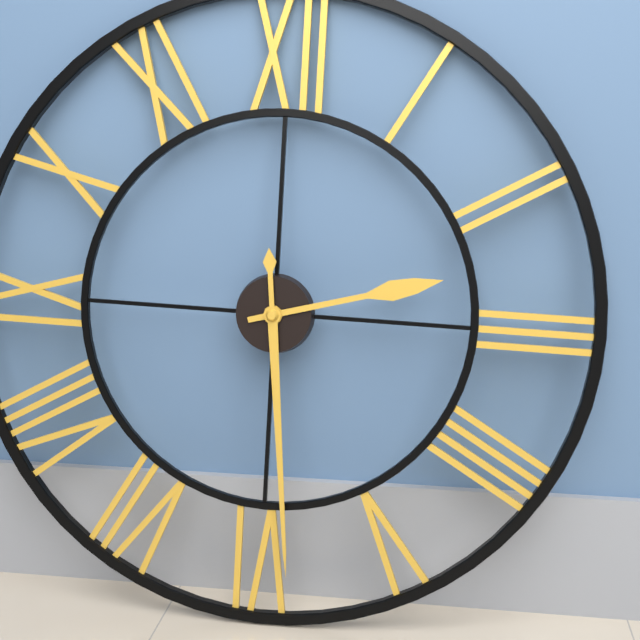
**2:29**
